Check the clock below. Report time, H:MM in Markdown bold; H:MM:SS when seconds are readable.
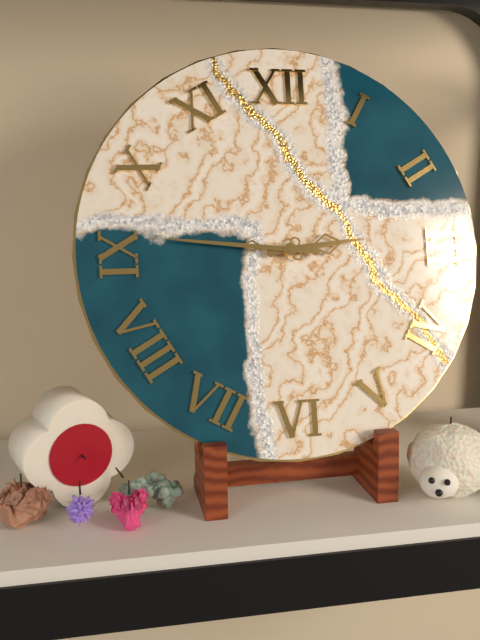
**2:46**
